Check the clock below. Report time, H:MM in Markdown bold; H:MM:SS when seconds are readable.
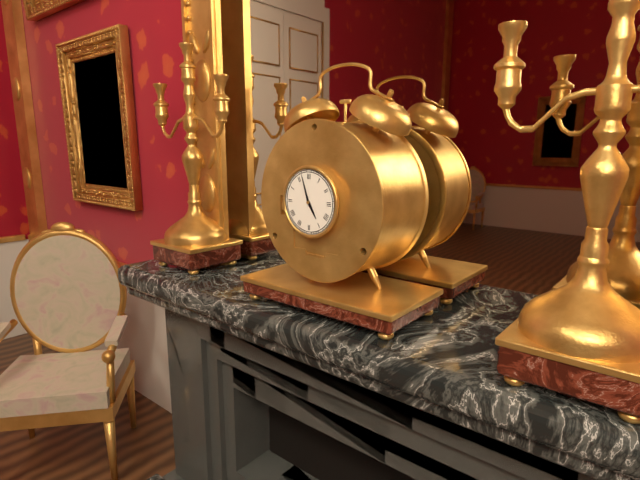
**4:57**
